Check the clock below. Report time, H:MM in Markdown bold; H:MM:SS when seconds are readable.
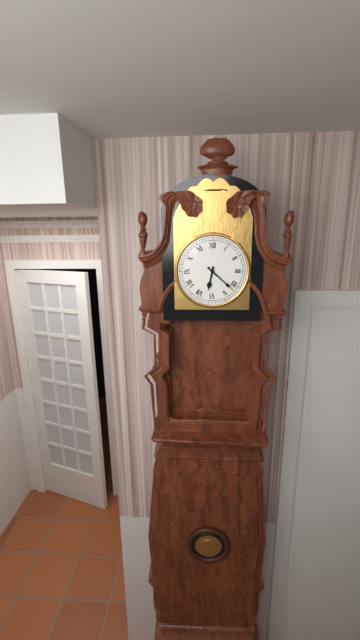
**6:22**
